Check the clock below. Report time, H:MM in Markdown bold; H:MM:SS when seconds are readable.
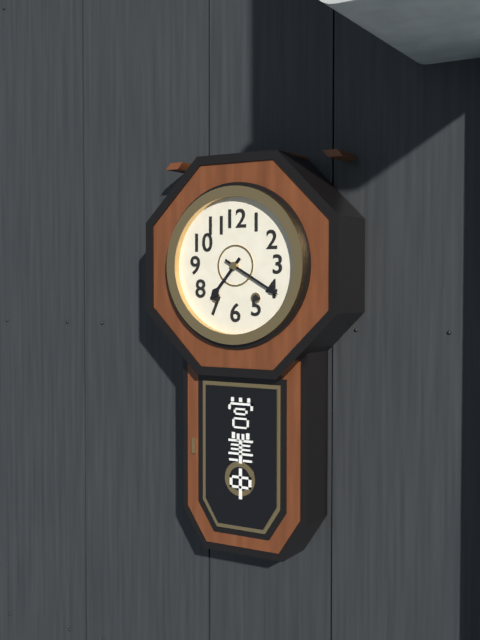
**7:20**
